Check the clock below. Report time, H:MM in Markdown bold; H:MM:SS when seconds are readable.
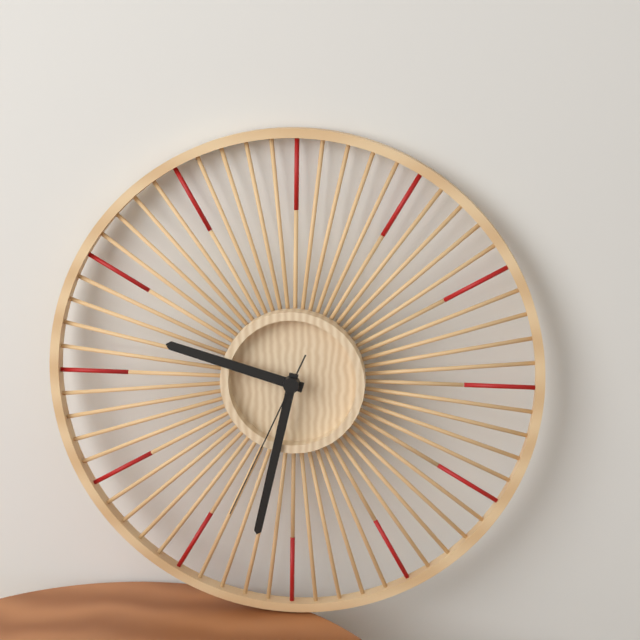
**9:32:34**
